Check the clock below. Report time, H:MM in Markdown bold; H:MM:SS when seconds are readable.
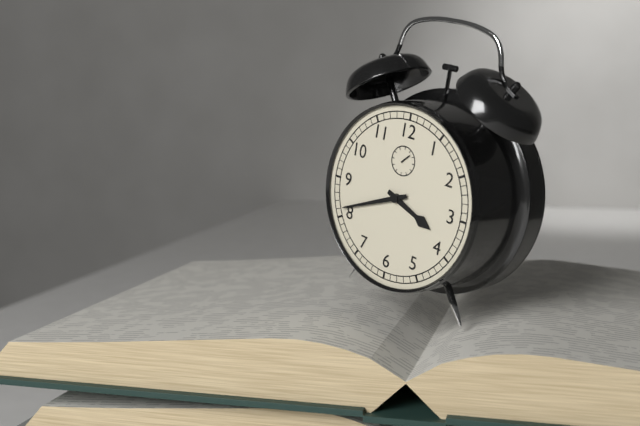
**3:41**
